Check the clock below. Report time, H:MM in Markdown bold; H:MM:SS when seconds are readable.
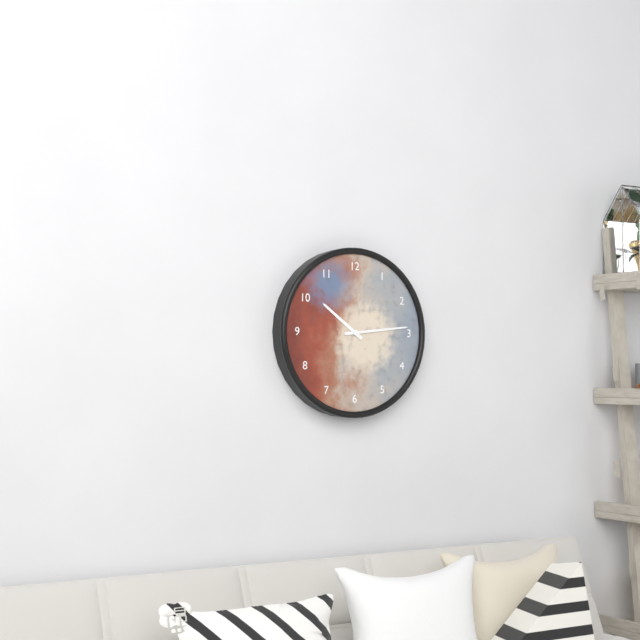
**10:14**
